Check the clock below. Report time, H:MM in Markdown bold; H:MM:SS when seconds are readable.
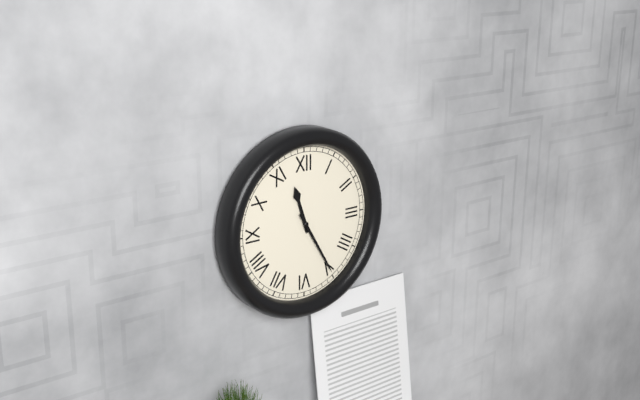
**11:25**
